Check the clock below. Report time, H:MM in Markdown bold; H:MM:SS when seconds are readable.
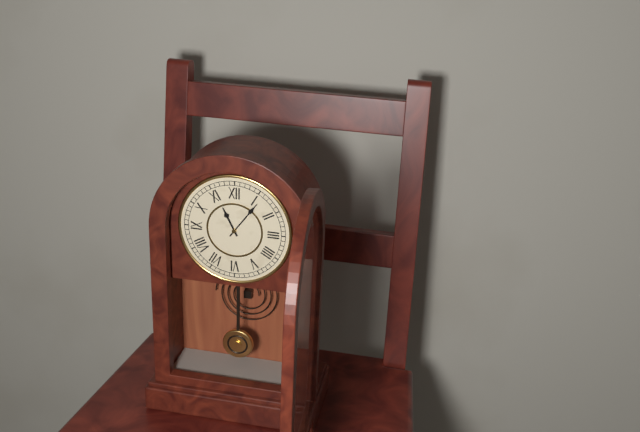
**11:06**
